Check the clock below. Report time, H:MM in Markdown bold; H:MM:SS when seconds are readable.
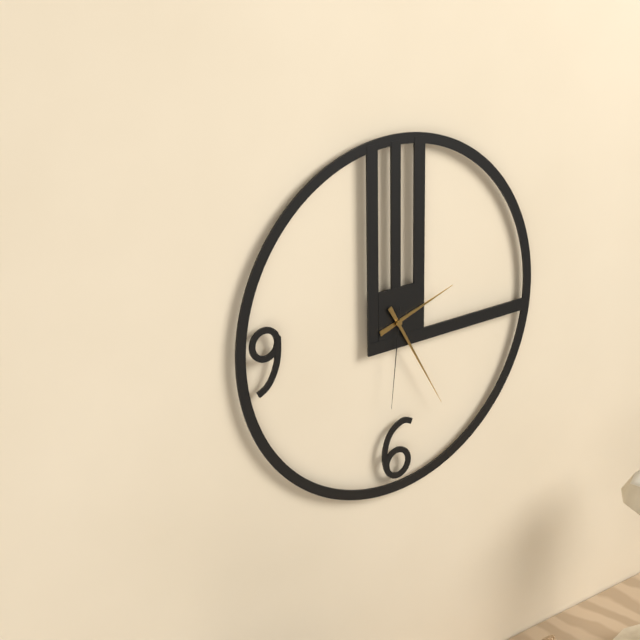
**2:25:31**
